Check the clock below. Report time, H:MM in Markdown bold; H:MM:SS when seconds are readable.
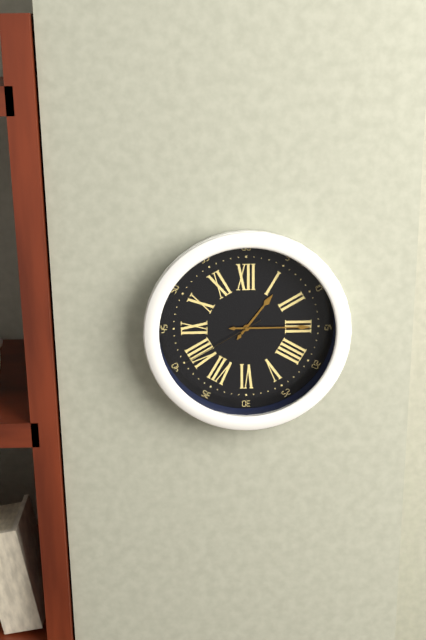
**1:15:40**
